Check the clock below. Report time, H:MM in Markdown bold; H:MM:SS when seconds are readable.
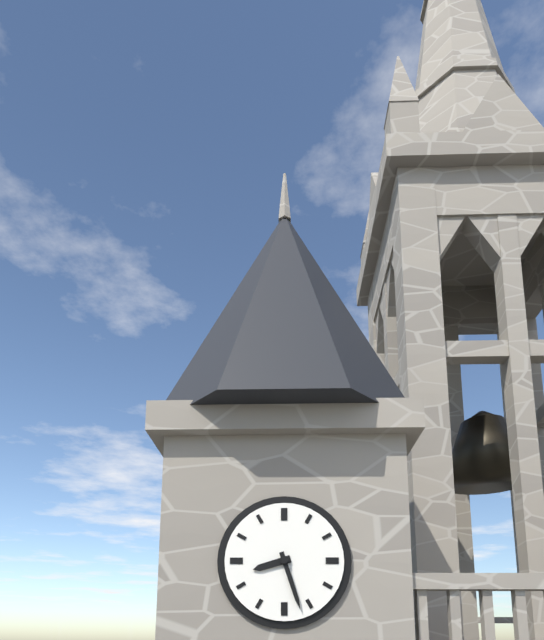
**8:27**
